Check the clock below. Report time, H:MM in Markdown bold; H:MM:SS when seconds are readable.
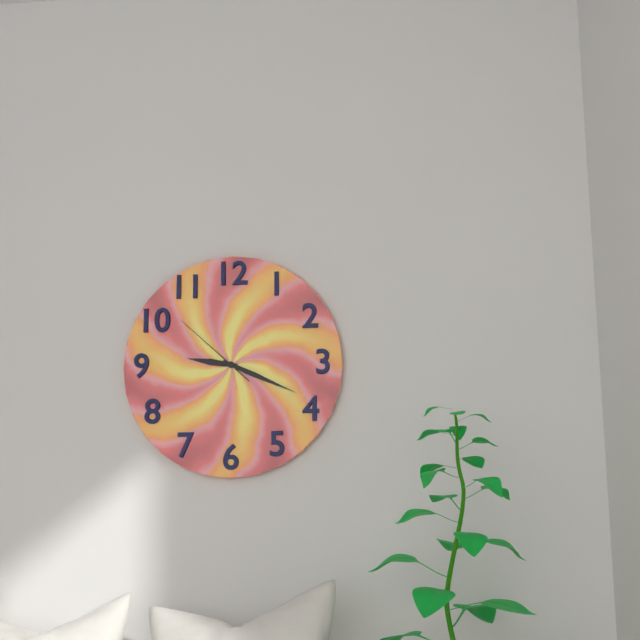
**9:19:52**
